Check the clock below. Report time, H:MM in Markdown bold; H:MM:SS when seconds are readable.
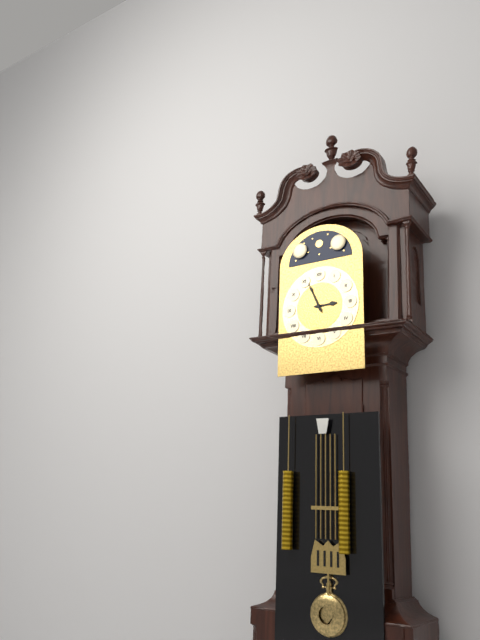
**2:56**
